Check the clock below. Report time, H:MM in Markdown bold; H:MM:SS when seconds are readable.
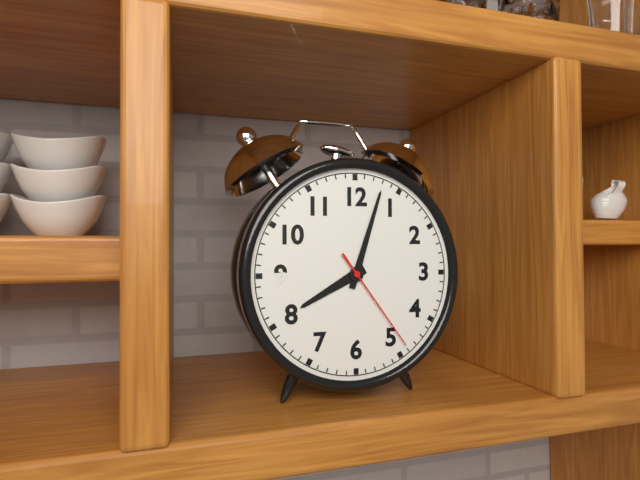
**8:03:24**
